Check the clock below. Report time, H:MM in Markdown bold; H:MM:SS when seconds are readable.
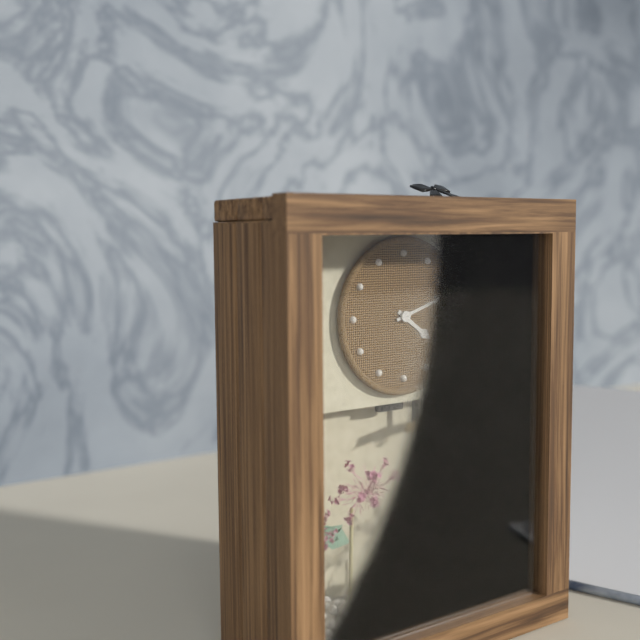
**4:12**
